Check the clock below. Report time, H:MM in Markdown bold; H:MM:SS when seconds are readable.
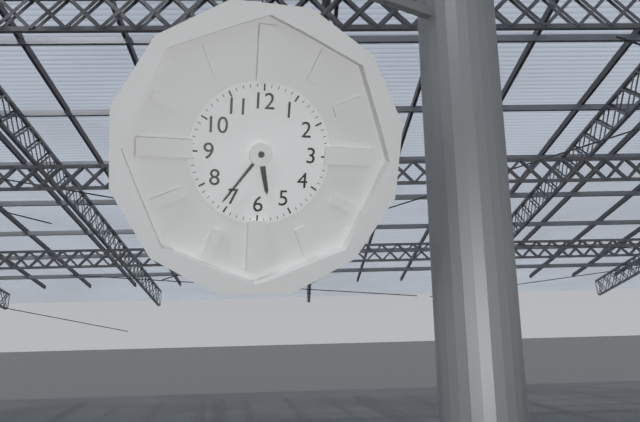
**5:36**
